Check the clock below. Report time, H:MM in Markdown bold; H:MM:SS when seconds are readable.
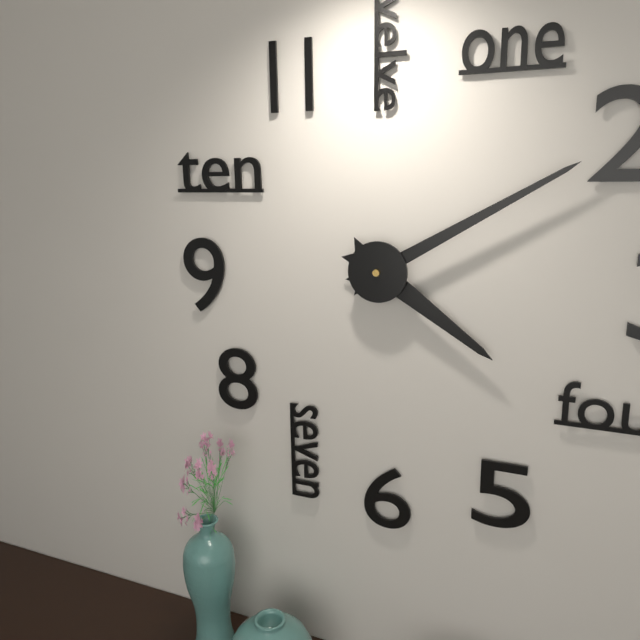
**4:10**
